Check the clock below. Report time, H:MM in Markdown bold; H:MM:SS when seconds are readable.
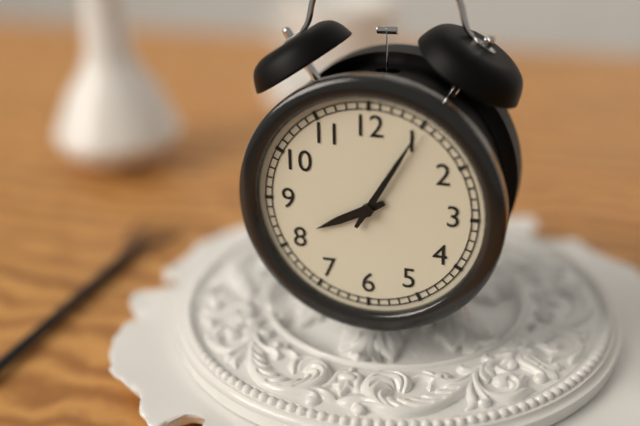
**8:05**
